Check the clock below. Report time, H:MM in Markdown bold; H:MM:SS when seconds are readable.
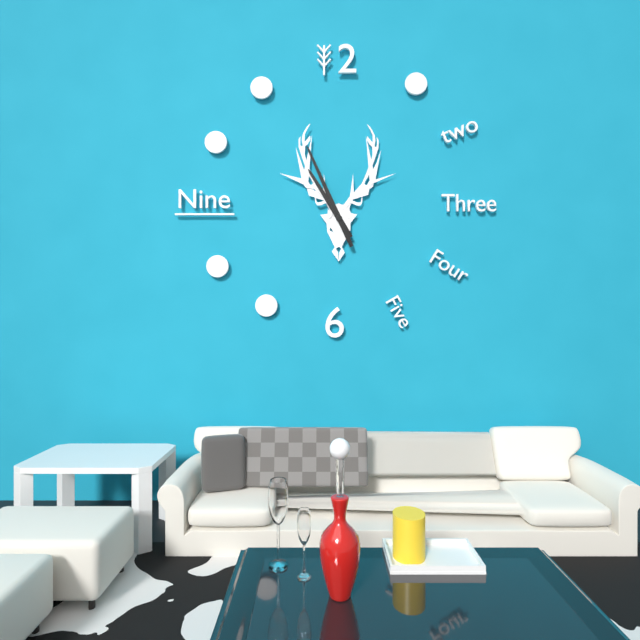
**10:56**
